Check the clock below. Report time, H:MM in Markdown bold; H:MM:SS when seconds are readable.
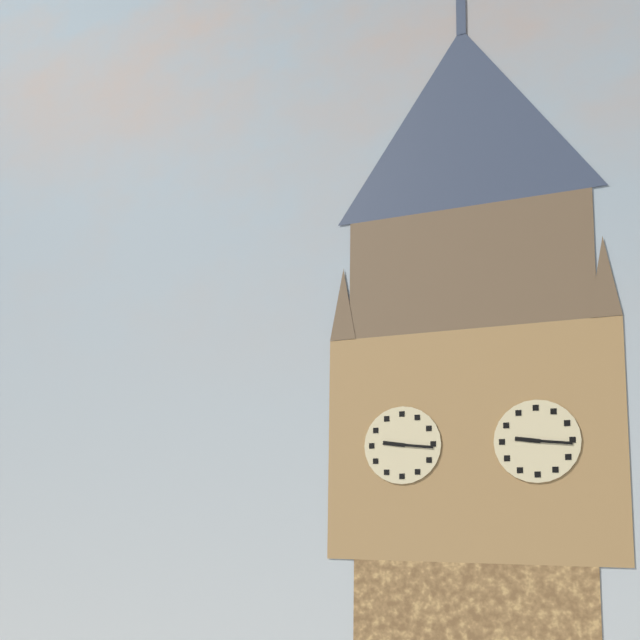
**9:16**
